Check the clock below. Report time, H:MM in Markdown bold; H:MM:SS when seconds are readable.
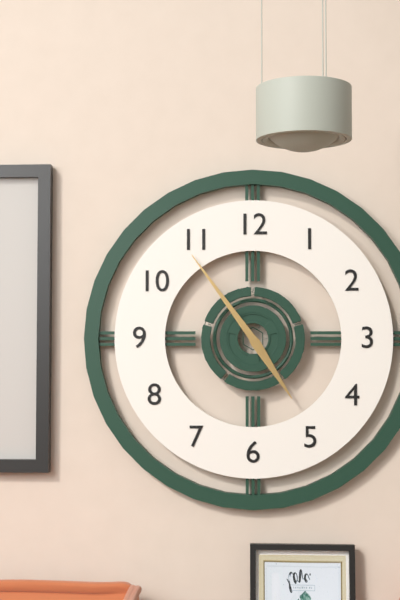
**4:54**
